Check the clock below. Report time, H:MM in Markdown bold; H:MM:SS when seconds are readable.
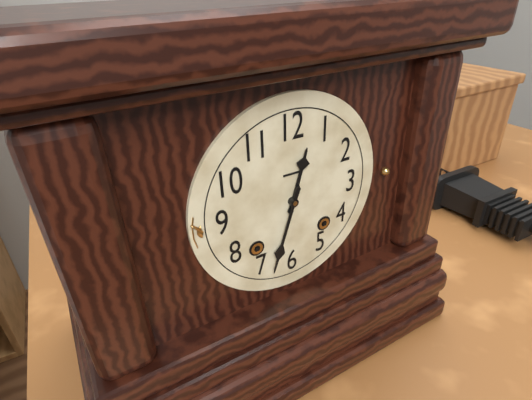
**12:33**
